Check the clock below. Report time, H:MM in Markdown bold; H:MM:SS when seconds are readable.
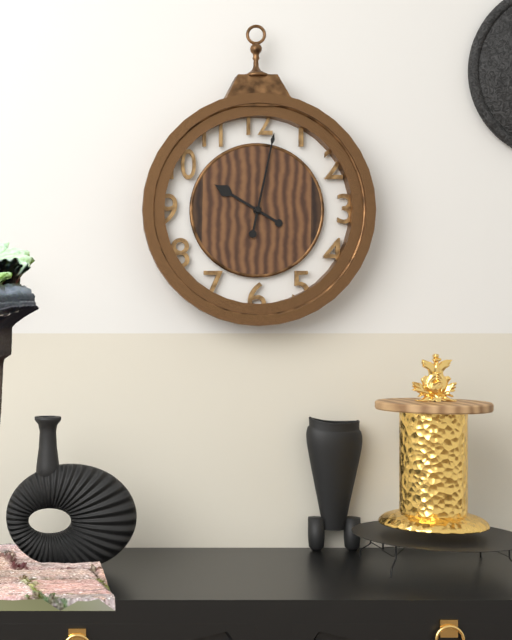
**10:02**
